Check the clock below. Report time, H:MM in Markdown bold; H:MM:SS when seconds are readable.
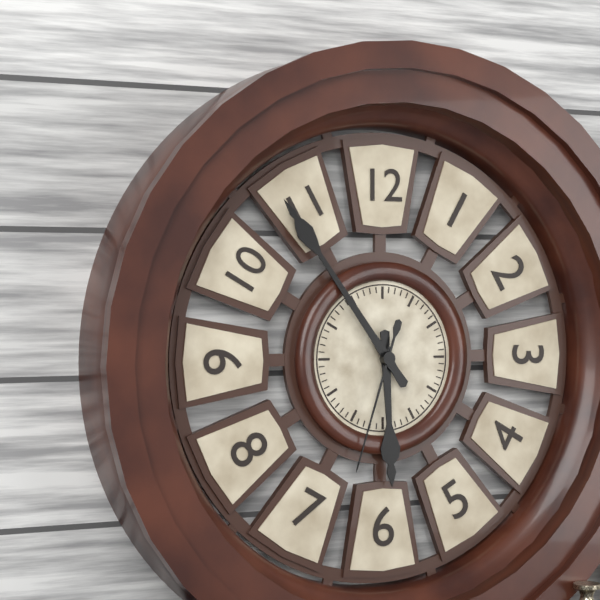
**5:54:33**
